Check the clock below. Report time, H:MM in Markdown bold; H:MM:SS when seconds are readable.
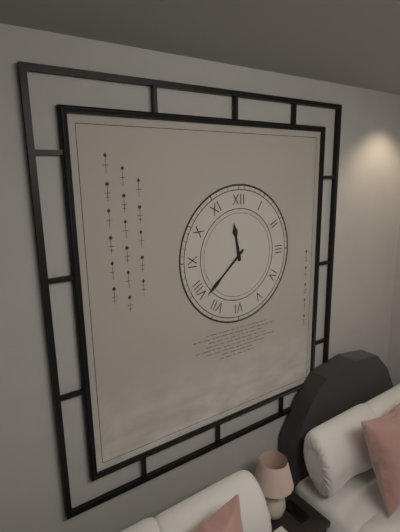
**11:38**
